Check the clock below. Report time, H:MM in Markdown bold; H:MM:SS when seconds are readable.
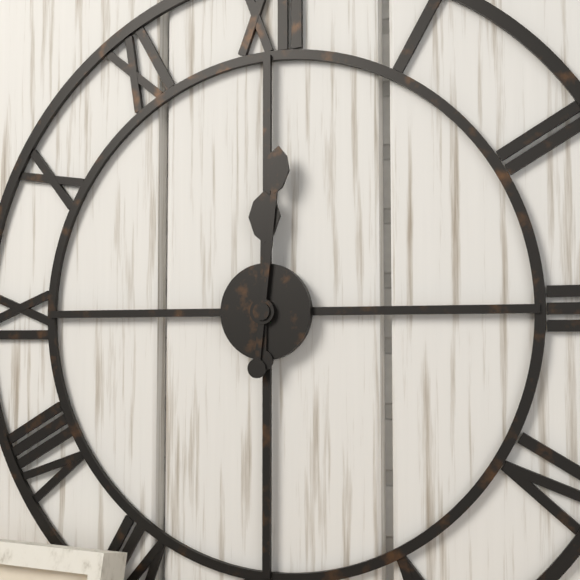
**12:01**
